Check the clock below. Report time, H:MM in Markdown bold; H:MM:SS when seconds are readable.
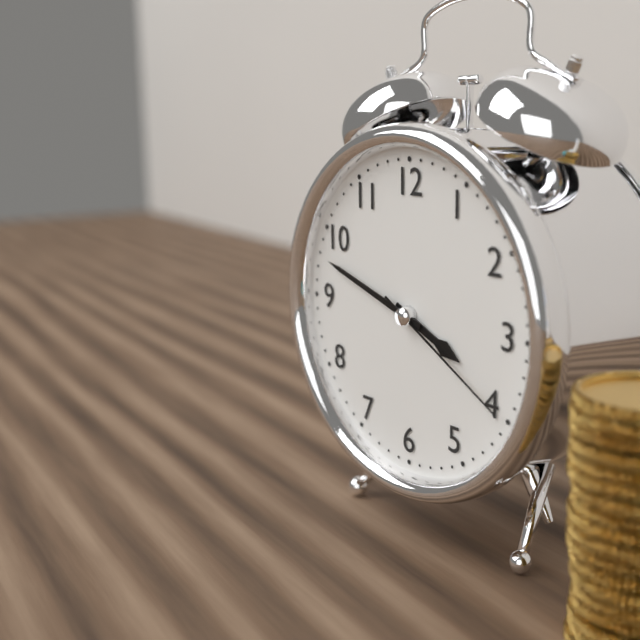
**3:48:20**
